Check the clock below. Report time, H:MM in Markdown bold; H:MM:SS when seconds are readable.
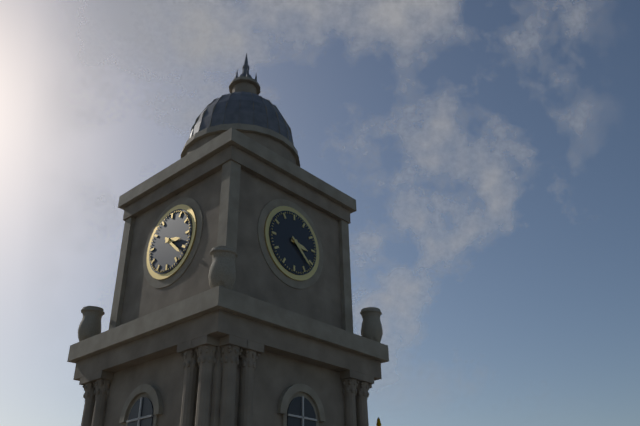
**3:22**
